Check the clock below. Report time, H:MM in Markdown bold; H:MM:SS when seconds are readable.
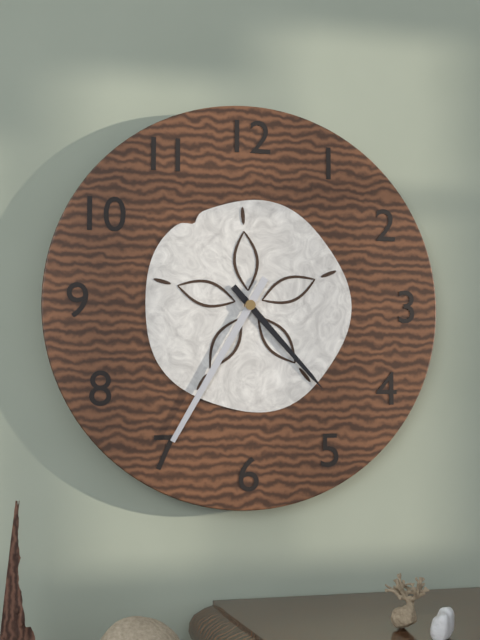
**4:35**
